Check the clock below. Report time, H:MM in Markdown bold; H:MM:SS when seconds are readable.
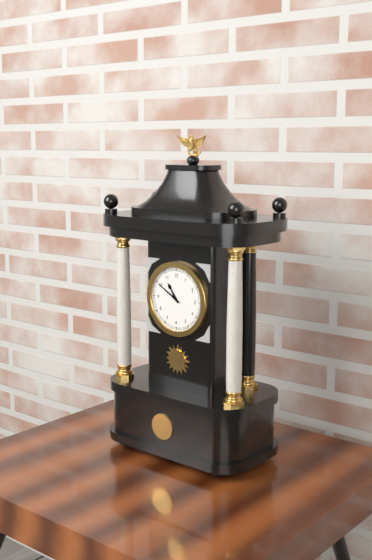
**10:50**
